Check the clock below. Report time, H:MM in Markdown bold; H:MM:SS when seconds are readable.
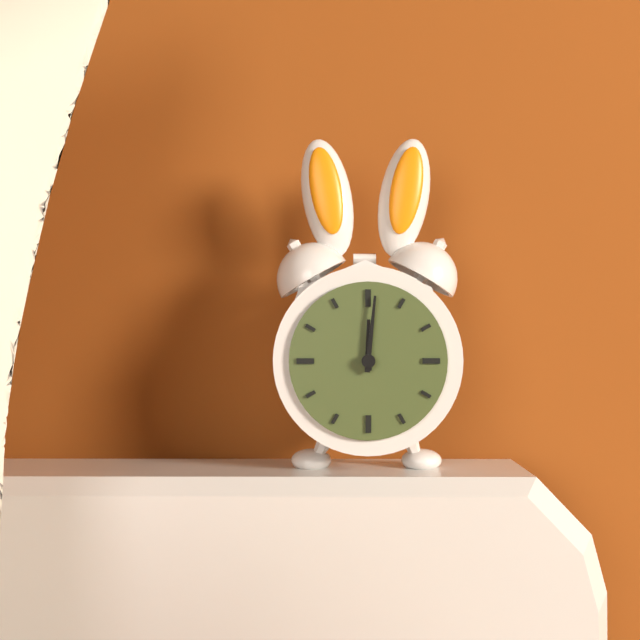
**12:01**
